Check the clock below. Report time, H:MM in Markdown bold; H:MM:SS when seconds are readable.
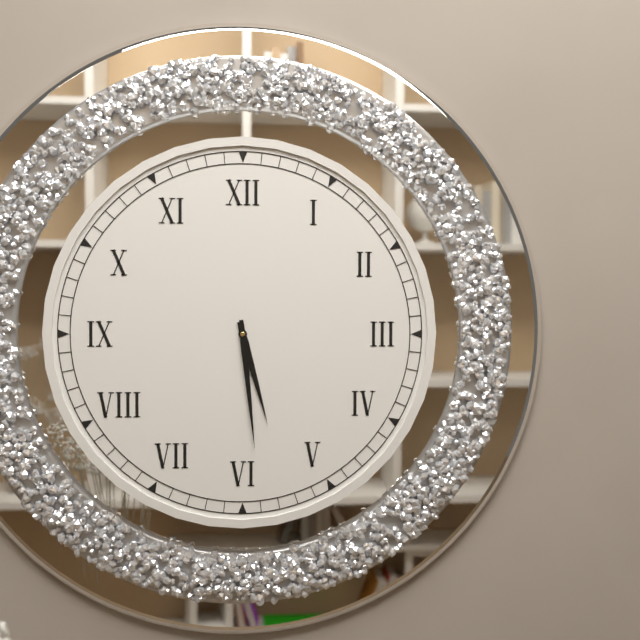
**5:29**
